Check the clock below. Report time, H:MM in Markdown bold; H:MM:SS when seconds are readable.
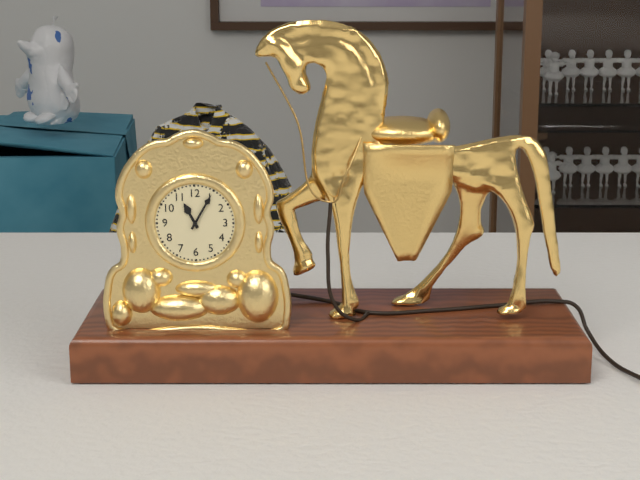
**11:05**
